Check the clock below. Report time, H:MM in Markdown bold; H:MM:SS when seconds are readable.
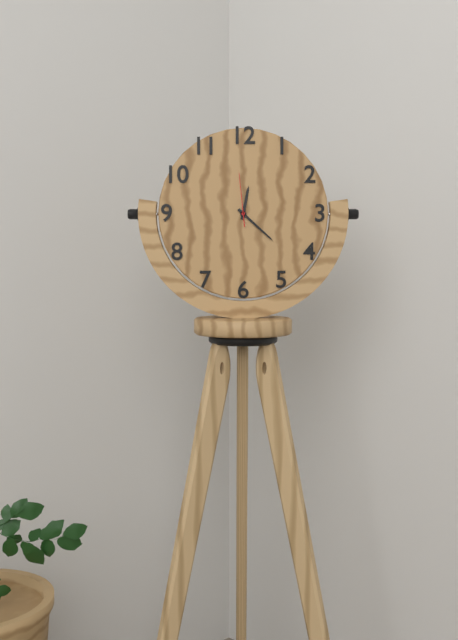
**12:22:59**
